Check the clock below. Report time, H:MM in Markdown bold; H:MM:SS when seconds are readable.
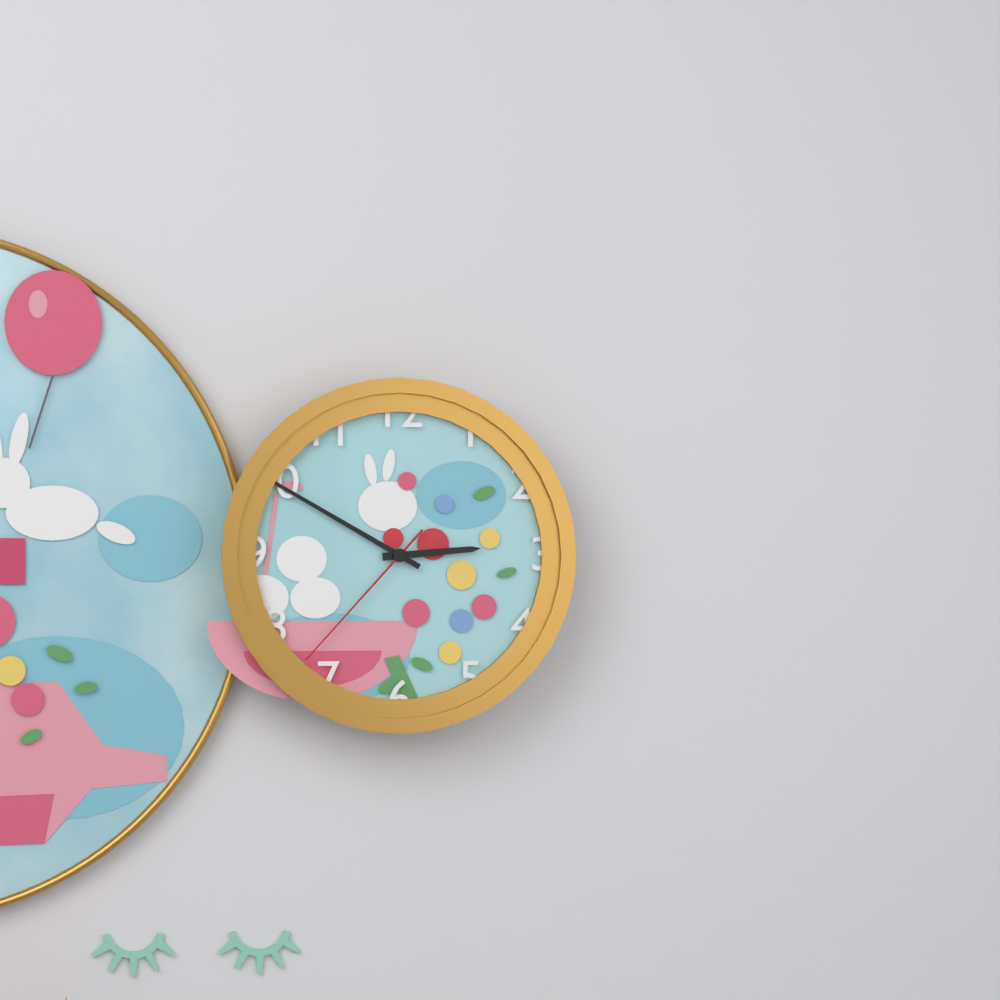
**2:50:37**
